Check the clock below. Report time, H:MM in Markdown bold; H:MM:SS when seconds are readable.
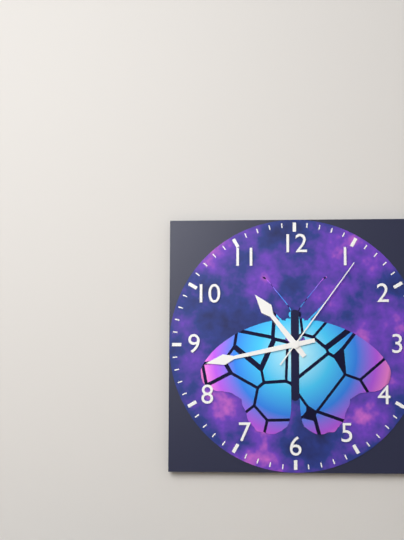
**10:43:06**
